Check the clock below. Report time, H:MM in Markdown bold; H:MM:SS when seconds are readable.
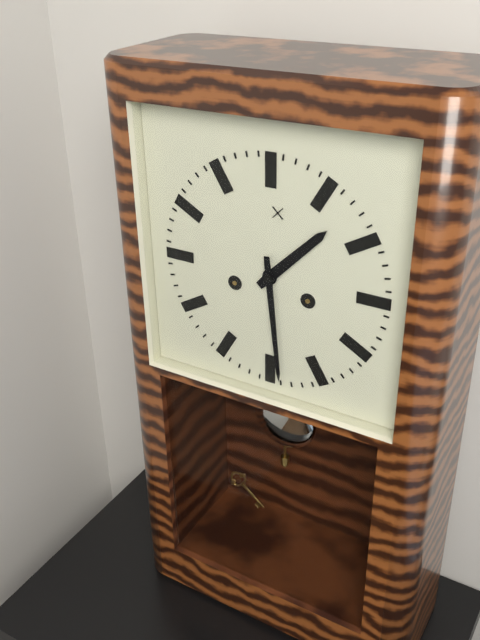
**1:29**
